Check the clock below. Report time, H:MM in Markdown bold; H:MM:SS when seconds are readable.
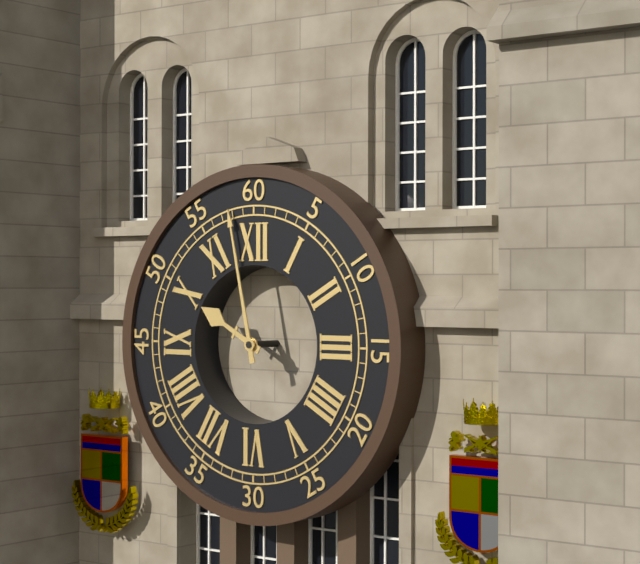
**9:58**
